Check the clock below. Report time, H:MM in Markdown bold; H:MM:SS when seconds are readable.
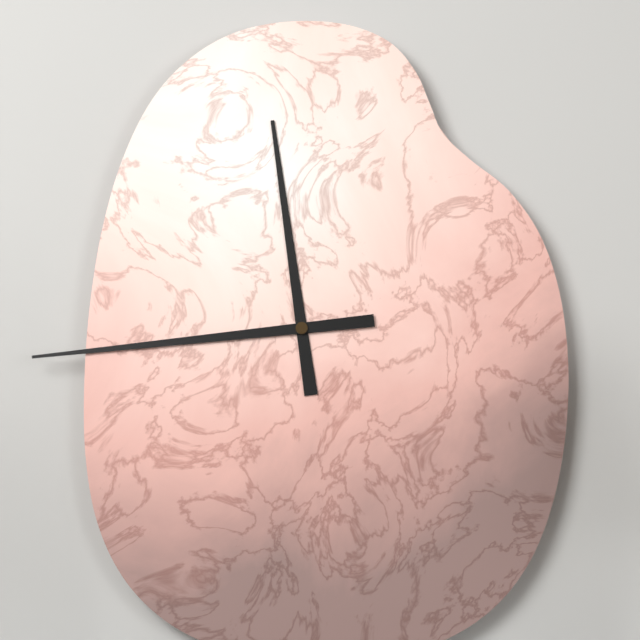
**11:44**
